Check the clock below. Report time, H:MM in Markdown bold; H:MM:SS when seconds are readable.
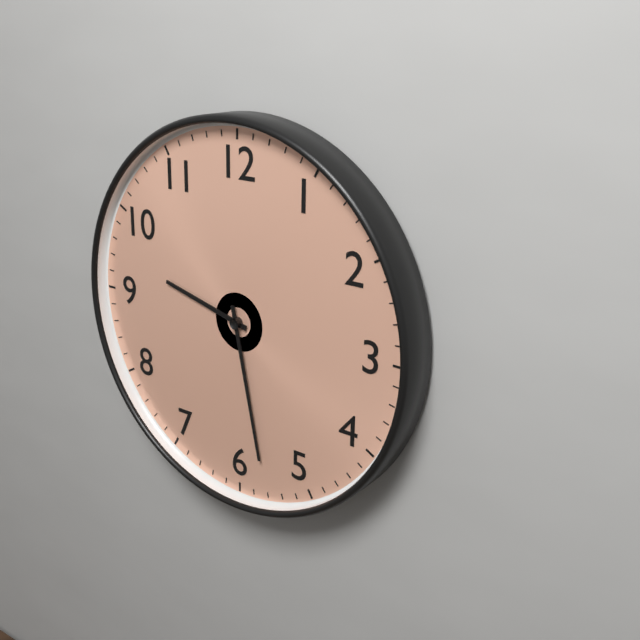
**9:28**
